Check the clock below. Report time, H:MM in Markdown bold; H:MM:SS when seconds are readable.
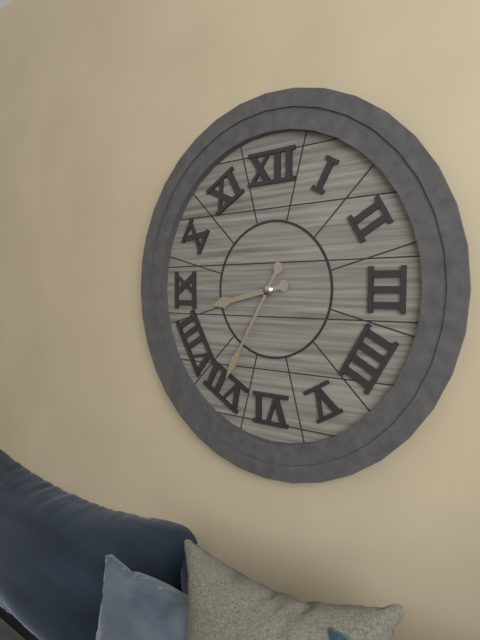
**8:35**
